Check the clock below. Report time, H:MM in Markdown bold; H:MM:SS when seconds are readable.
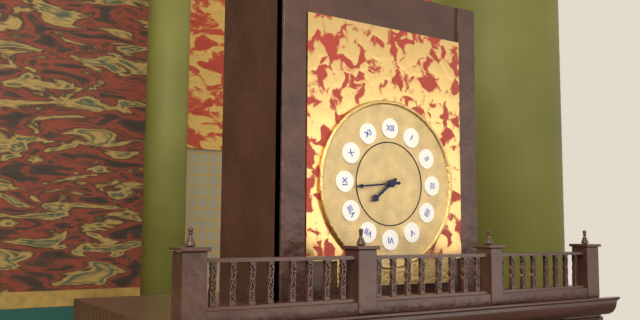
**7:44**
